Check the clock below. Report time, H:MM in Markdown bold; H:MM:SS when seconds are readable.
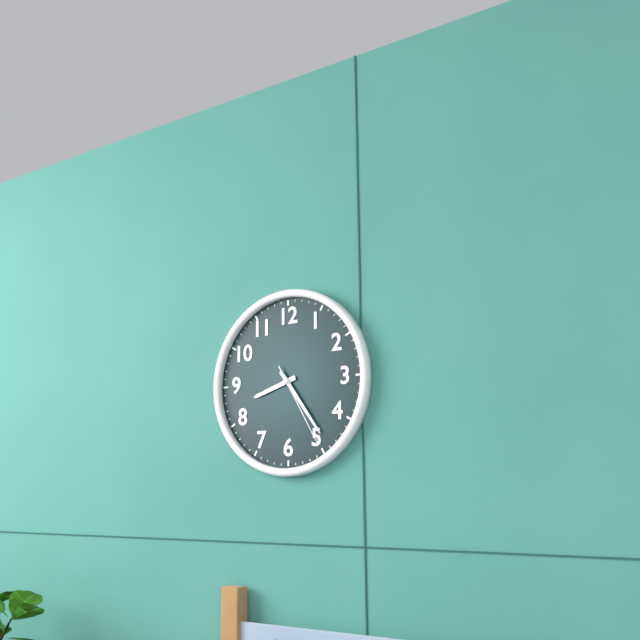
**8:24:25**
